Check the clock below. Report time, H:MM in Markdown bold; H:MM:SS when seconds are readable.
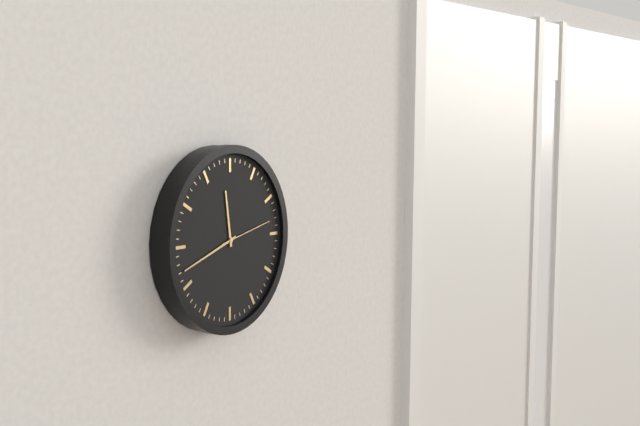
**11:42:13**
